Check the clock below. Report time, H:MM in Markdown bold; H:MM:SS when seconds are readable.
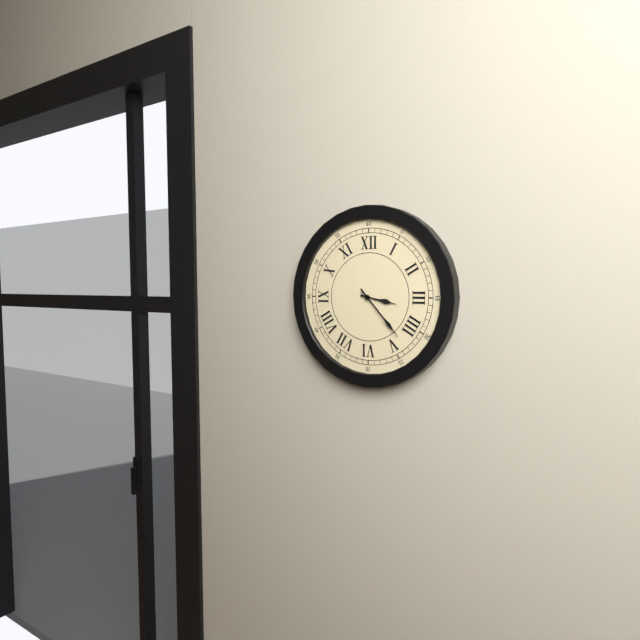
**3:23**
